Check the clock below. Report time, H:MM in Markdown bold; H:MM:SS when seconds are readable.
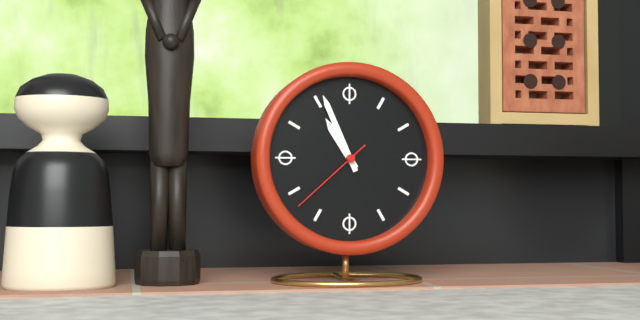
**10:56:38**
